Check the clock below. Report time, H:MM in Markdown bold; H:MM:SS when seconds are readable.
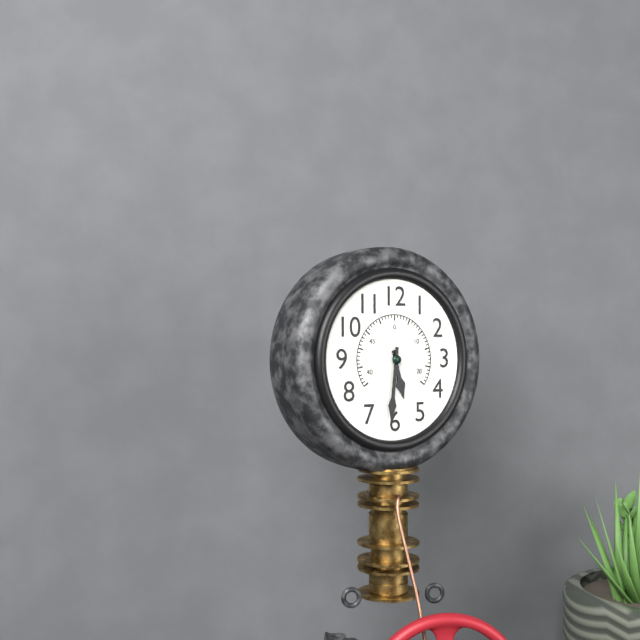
**5:31**
